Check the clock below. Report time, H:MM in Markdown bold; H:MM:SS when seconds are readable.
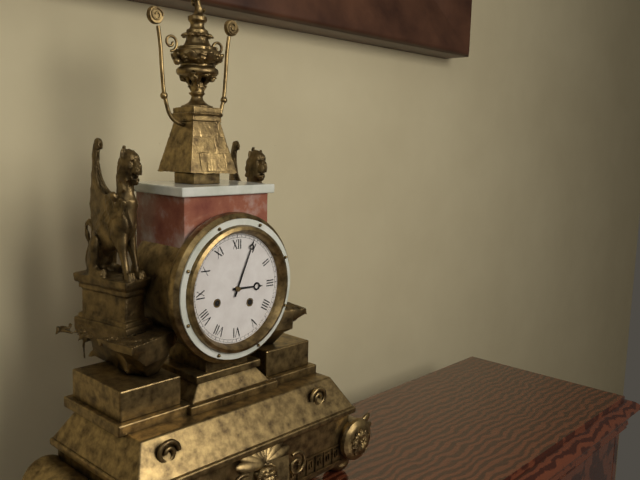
**3:04**
